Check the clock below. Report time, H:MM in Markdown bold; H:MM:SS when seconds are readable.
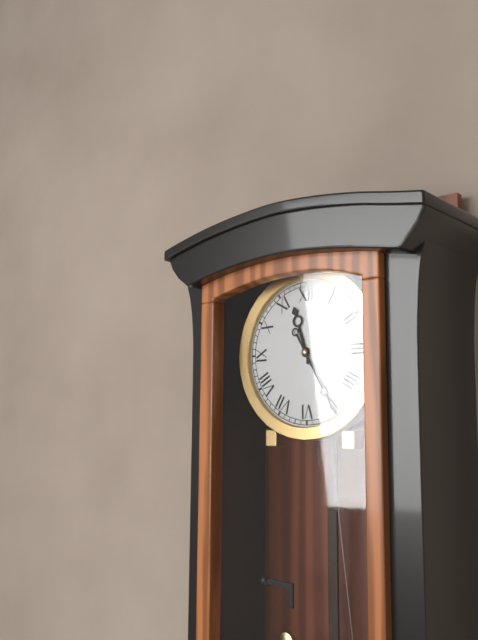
**11:25**
